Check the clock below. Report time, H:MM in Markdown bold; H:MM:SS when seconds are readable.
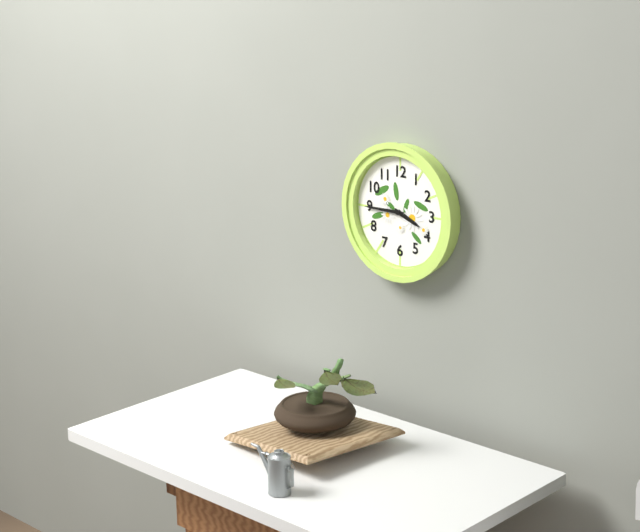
**3:45**
